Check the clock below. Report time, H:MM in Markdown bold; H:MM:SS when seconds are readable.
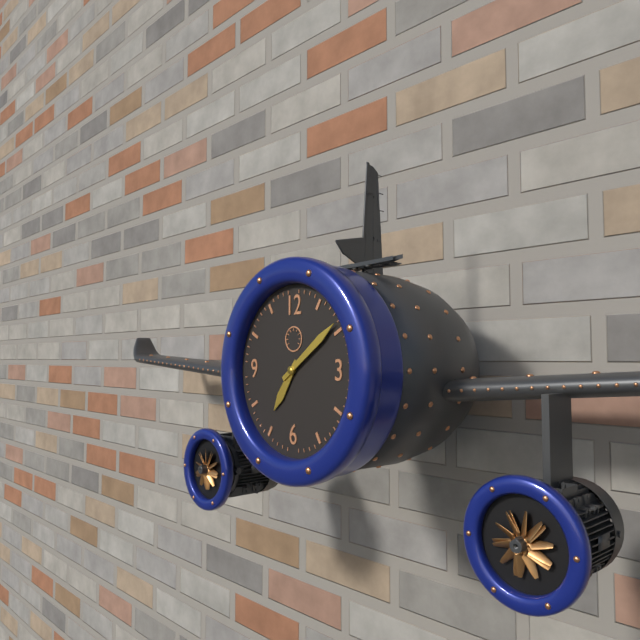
**7:09**
